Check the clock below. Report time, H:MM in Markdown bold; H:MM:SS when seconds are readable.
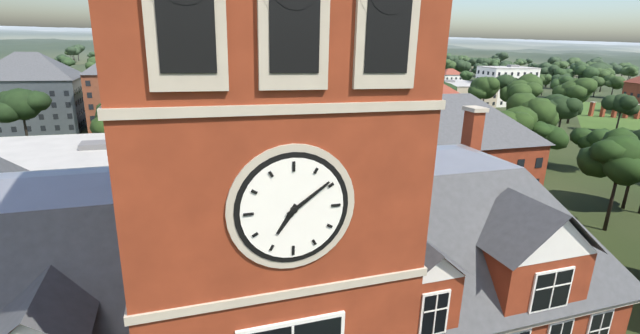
**7:09**
